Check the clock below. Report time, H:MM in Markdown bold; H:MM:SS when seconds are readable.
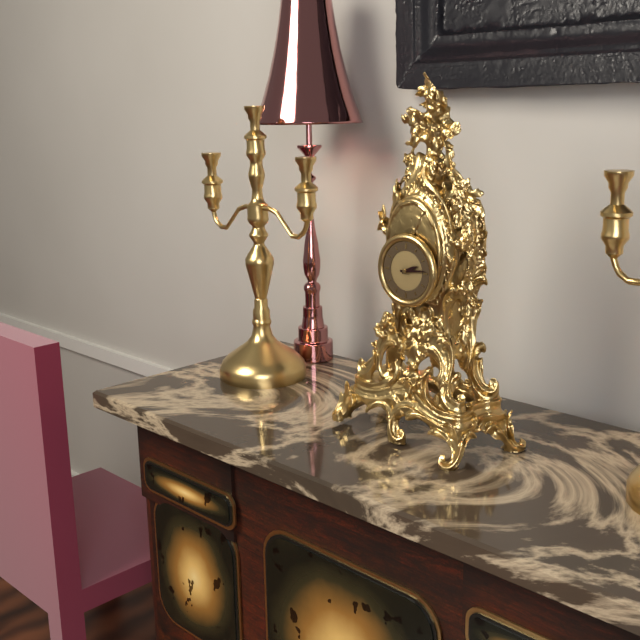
**2:14**
